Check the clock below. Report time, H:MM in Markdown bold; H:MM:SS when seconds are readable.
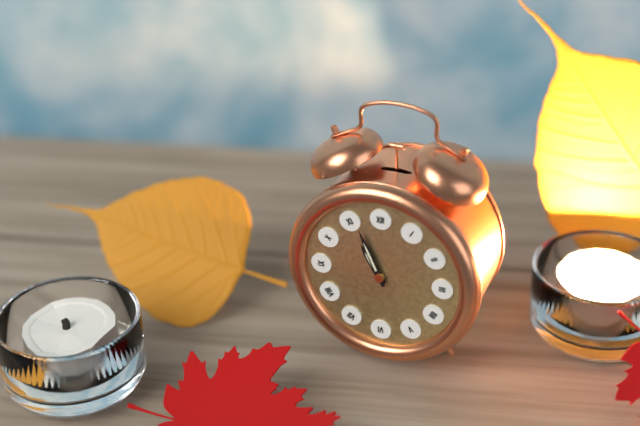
**10:56**
